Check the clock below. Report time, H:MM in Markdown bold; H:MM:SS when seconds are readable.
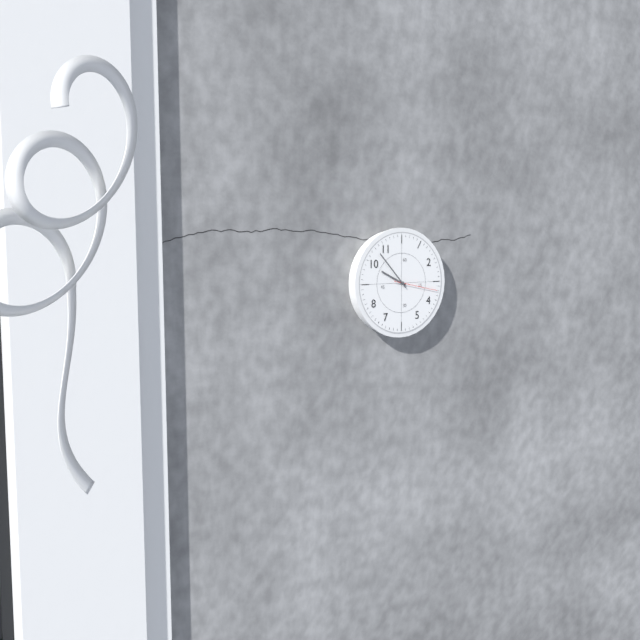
**9:53**
